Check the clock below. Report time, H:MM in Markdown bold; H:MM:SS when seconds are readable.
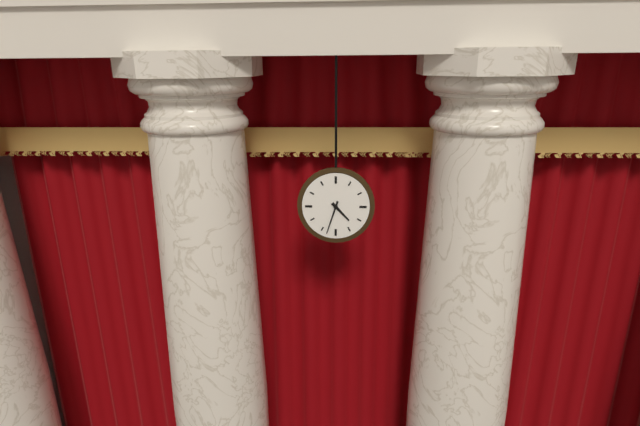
**4:33**
